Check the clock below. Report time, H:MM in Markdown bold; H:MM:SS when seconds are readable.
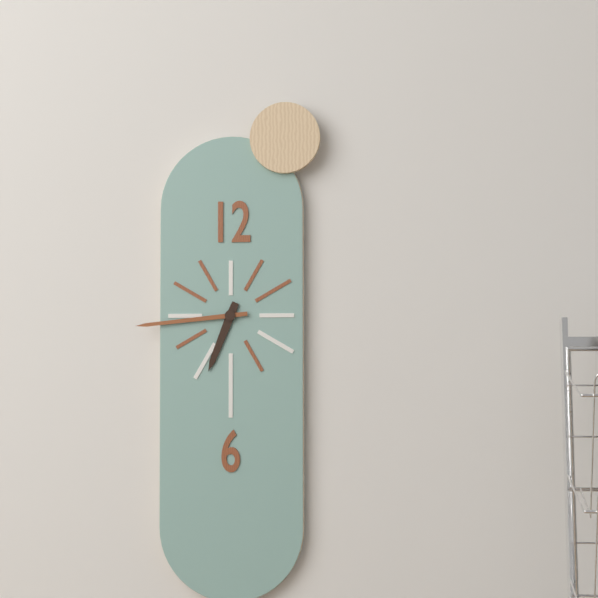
**6:44**
